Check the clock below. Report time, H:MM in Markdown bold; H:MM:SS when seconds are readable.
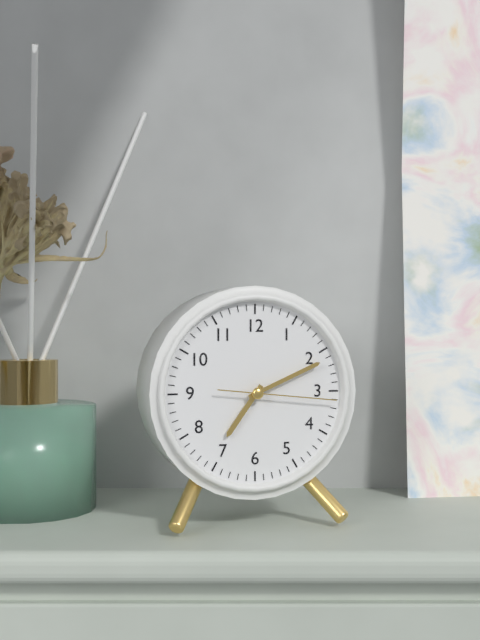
**7:11:16**
